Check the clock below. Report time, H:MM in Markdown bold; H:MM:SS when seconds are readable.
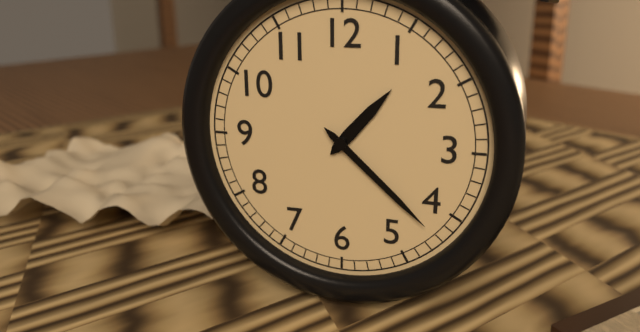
**1:22**
